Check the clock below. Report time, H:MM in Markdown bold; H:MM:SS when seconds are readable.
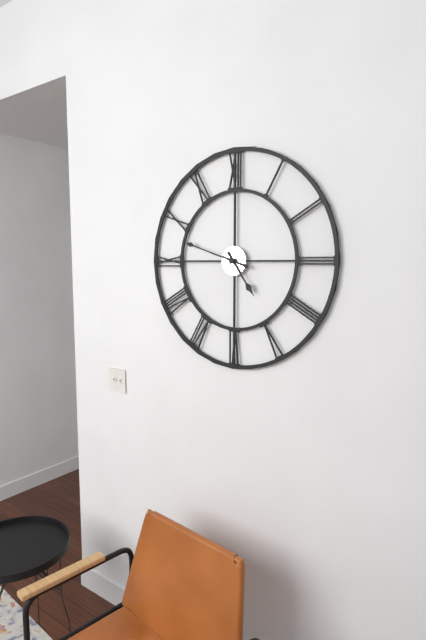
**4:48**
